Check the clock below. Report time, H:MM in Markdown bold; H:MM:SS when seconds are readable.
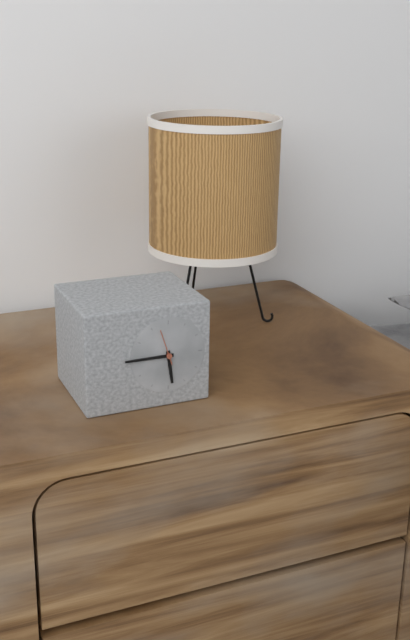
**5:45**
